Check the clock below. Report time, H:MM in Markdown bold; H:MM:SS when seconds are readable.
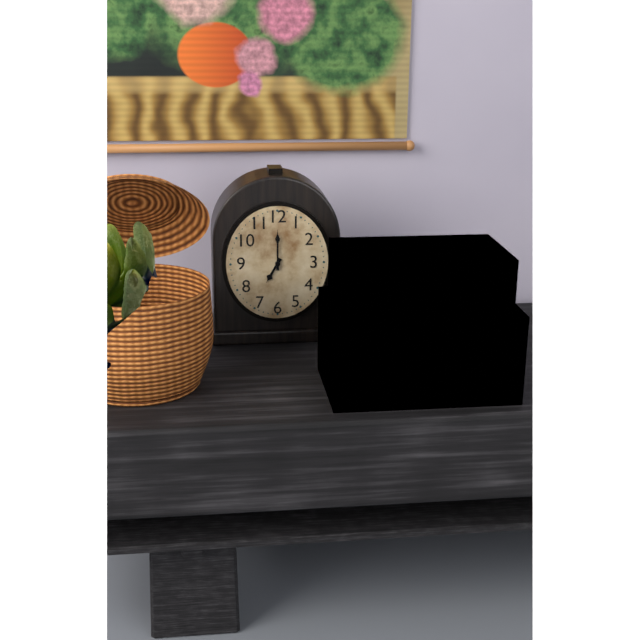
**7:00**
